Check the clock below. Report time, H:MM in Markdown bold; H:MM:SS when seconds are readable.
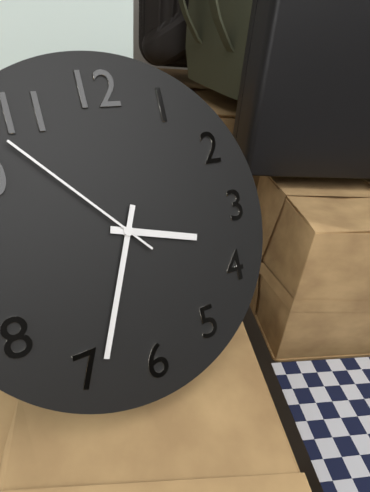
**3:34:53**
